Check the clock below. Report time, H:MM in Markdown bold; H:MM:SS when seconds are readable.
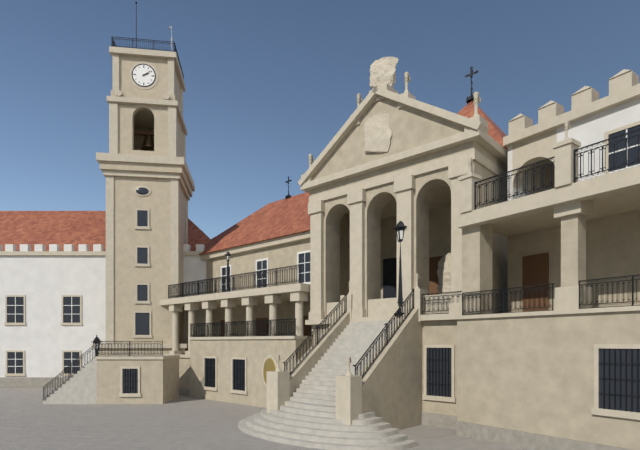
**2:09**
